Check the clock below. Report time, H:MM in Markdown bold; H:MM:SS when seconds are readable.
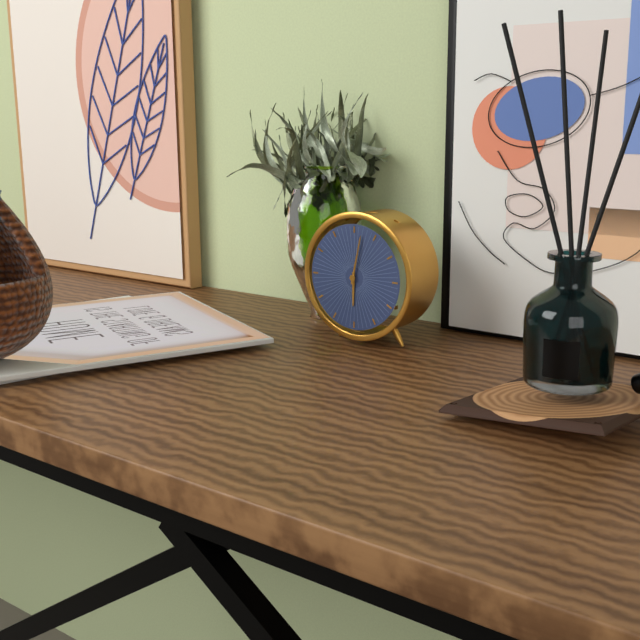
**6:02**
